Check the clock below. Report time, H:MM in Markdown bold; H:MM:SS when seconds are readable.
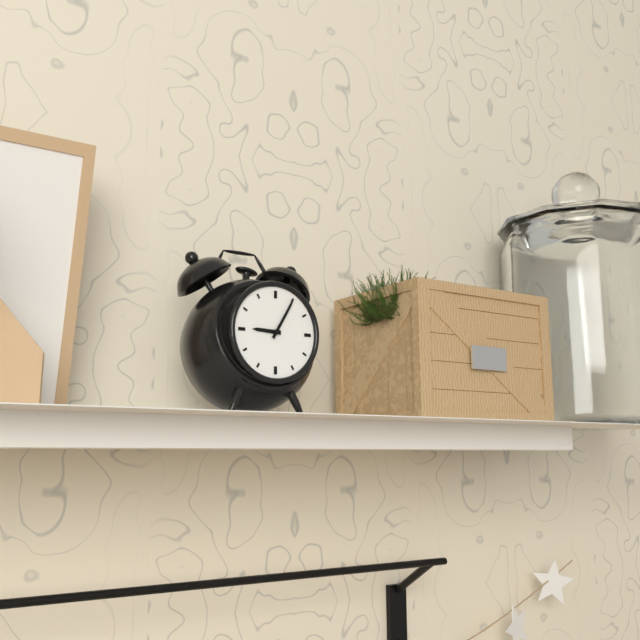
**9:05**
